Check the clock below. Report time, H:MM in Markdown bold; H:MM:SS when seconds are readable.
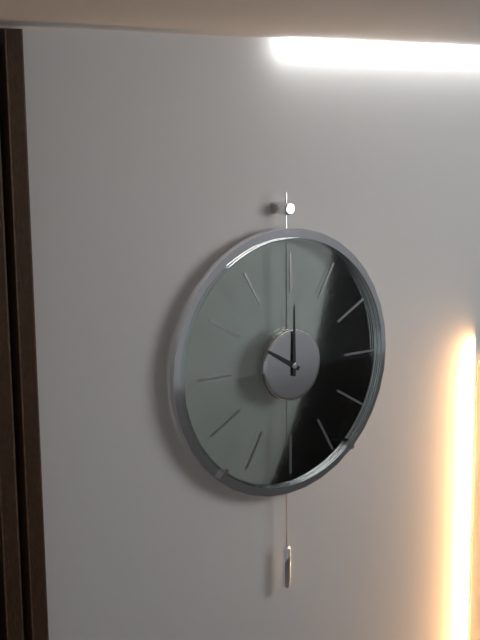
**10:00**
